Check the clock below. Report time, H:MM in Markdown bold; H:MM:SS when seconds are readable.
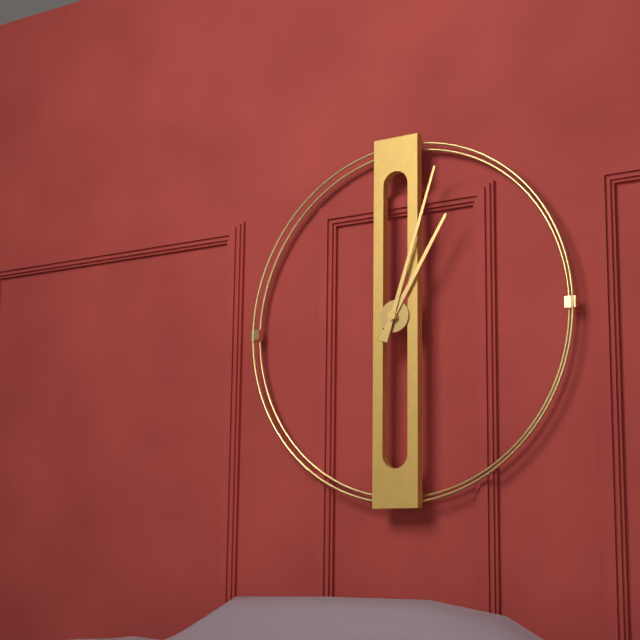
**1:03**
